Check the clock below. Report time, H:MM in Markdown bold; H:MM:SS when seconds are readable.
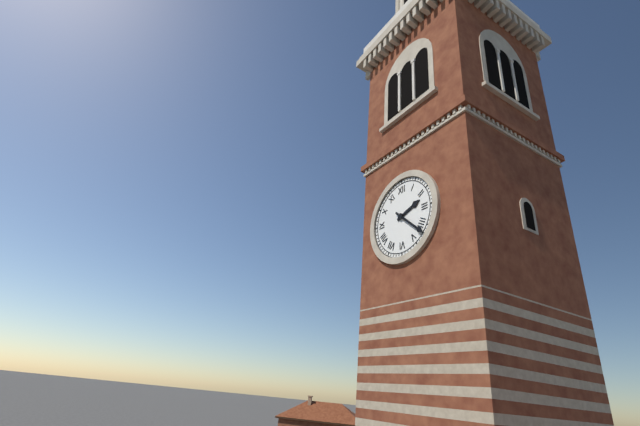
**2:22**
